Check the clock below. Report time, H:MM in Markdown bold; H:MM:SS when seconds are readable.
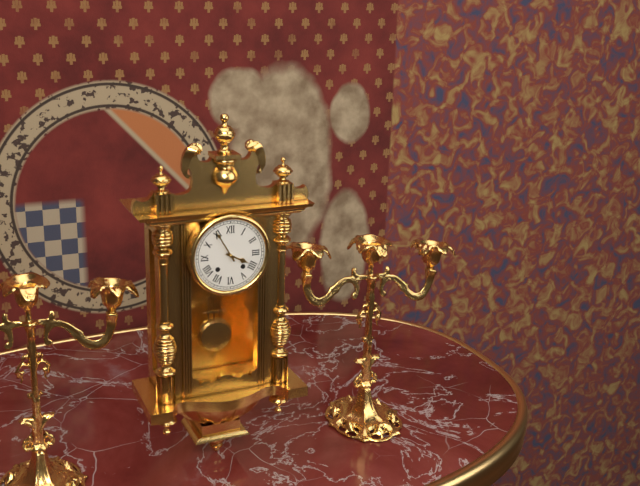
**3:55**
